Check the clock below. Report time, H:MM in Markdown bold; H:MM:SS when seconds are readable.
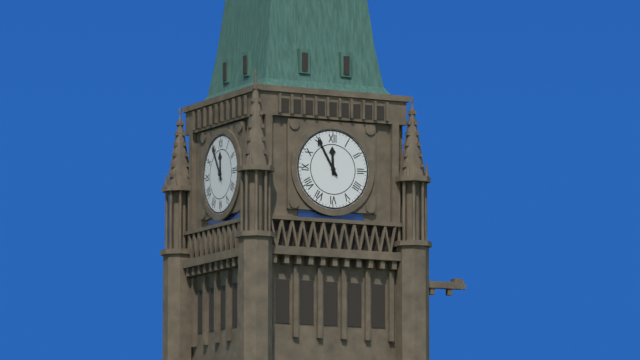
**11:55**
